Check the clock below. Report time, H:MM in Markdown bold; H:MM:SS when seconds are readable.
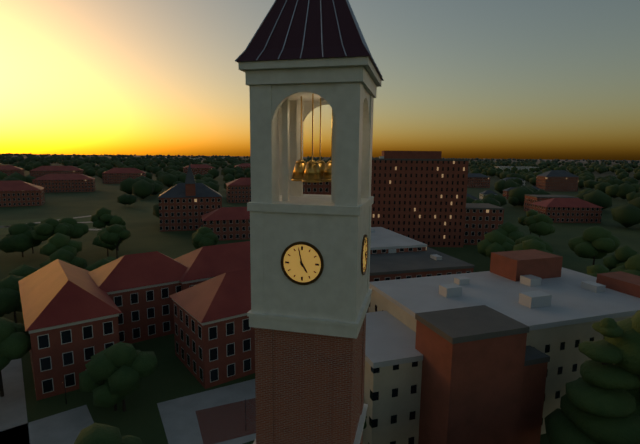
**4:58**
